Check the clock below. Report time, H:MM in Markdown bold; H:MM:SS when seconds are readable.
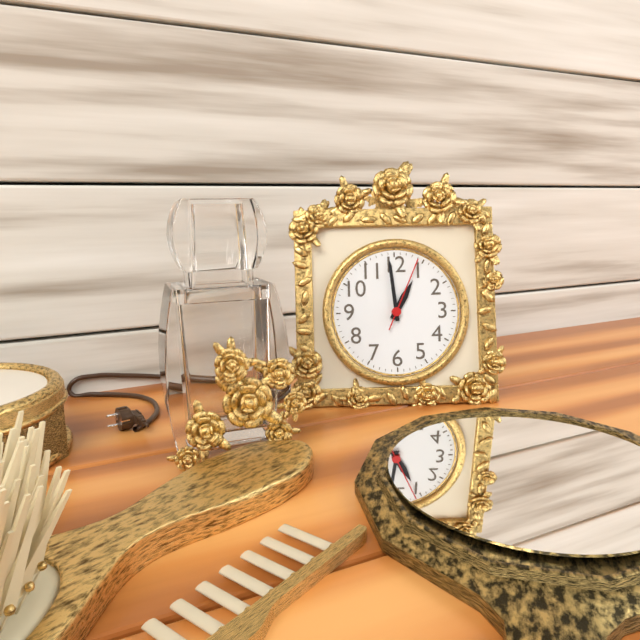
**12:59:04**
